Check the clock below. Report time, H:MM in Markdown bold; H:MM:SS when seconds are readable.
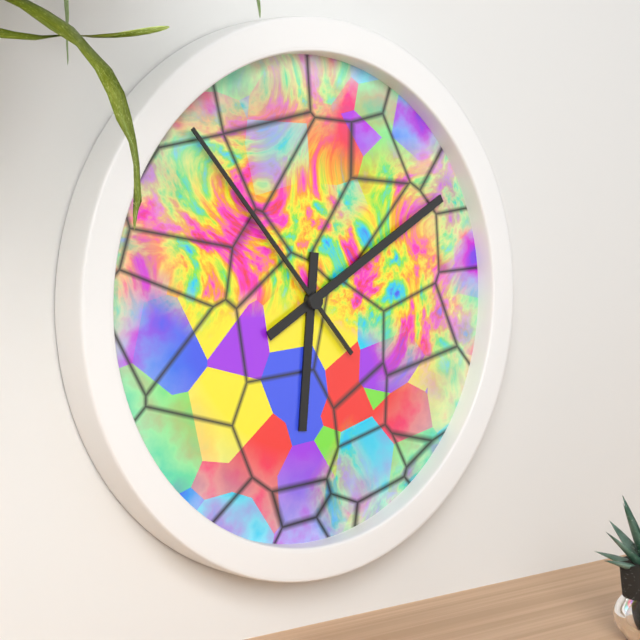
**6:10:53**
